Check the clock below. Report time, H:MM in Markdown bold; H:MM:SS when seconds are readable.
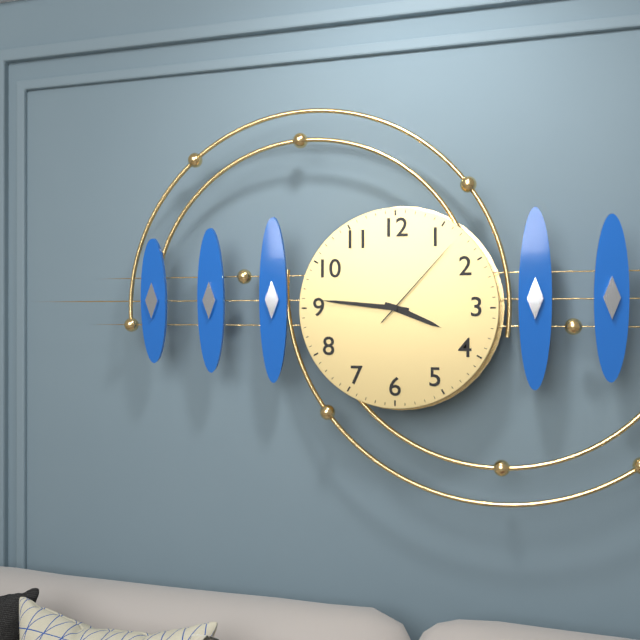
**3:46:07**
